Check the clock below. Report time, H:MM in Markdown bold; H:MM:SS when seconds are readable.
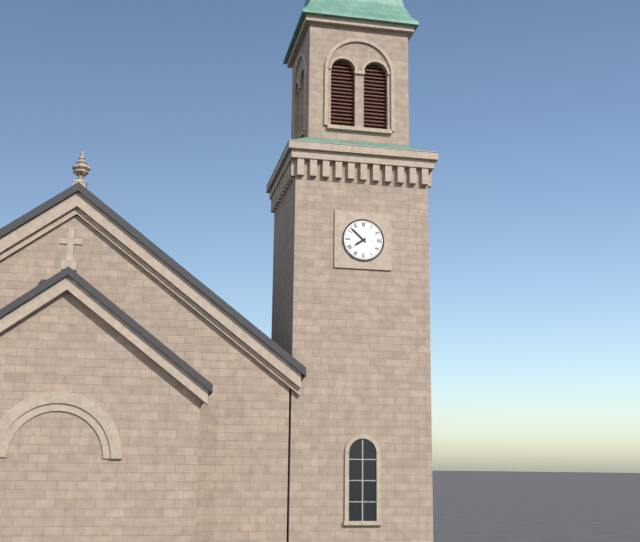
**7:52**
